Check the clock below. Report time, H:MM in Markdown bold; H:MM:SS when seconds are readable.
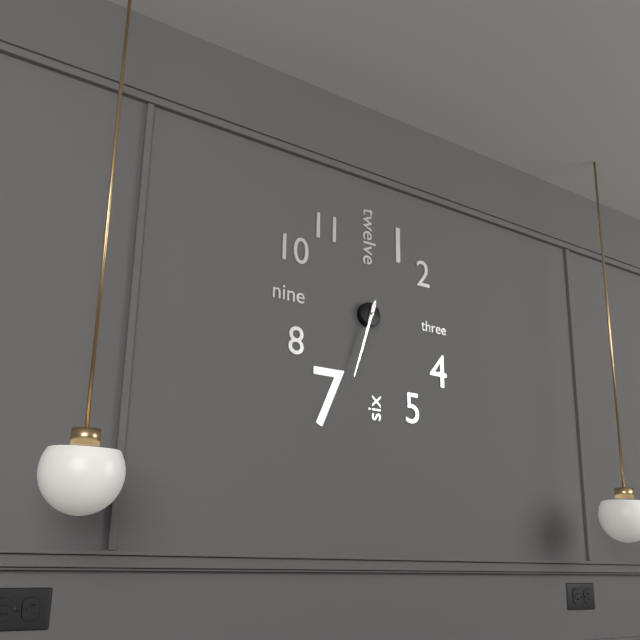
**6:33**
